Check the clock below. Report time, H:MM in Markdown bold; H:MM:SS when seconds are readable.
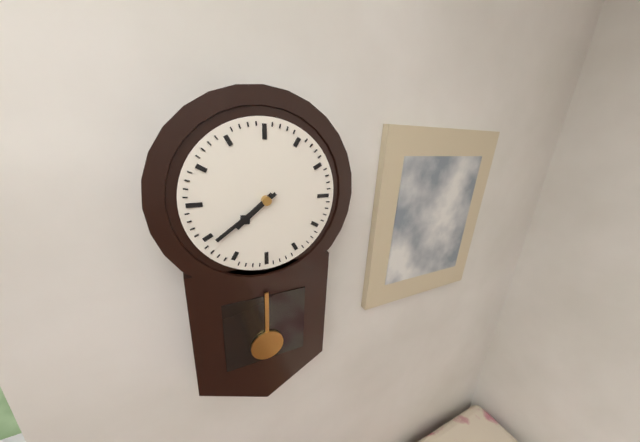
**7:39**
